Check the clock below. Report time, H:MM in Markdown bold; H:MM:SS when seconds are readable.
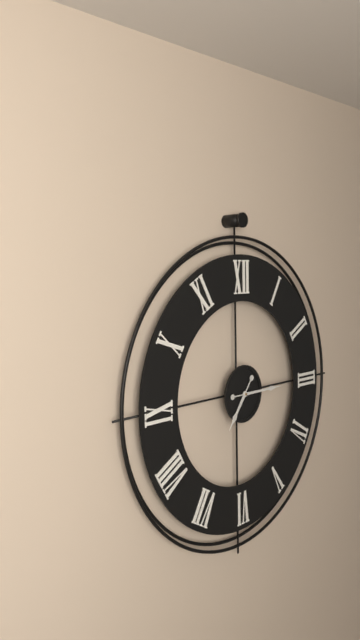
**7:15**
